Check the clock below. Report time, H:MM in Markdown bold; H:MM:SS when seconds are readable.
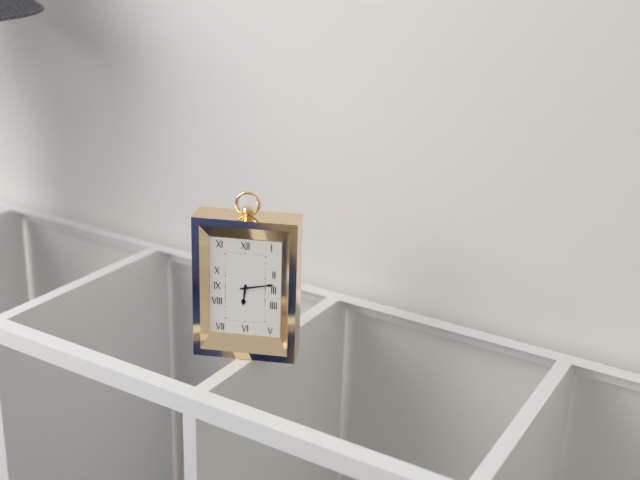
**6:13**
